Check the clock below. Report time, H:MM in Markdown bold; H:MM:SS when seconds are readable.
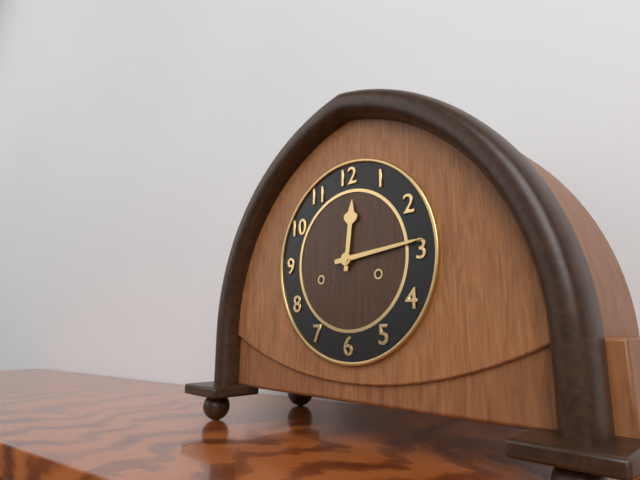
**12:14**
